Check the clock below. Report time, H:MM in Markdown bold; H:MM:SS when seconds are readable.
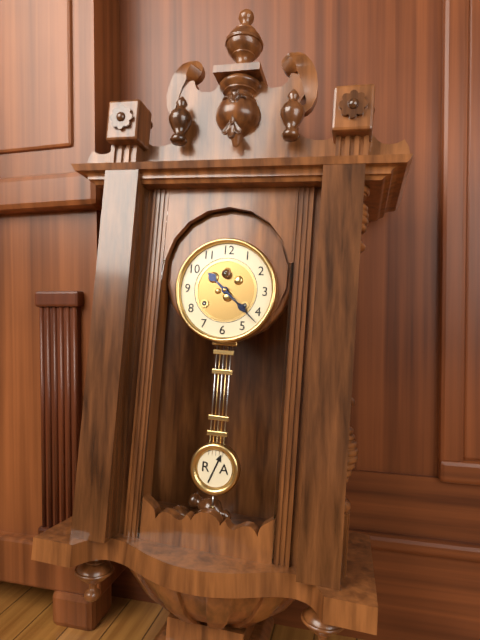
**10:22**
